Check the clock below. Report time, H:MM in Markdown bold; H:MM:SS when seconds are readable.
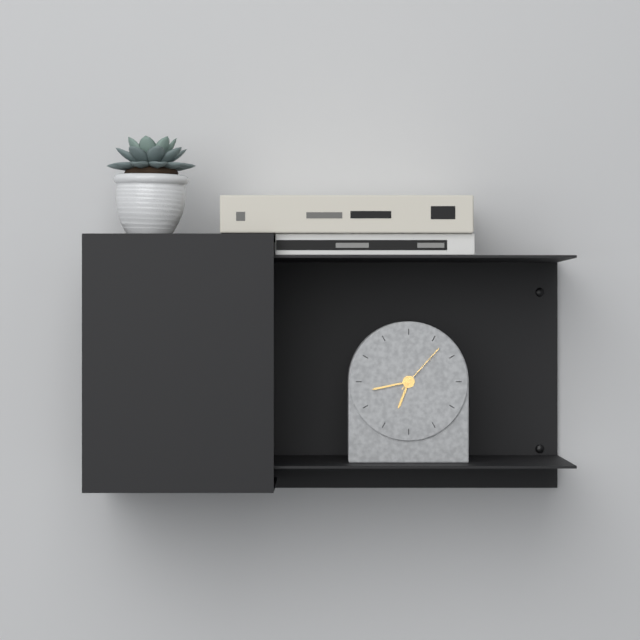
**6:43:07**
